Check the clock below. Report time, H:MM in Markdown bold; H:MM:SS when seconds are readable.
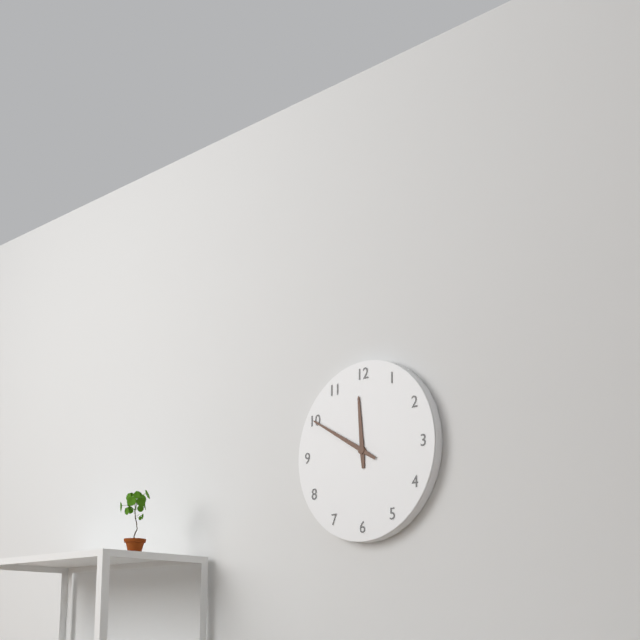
**11:50**
